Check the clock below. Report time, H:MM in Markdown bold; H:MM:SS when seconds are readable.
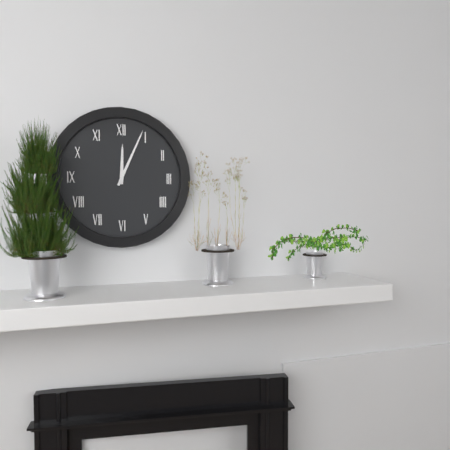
**12:04**
